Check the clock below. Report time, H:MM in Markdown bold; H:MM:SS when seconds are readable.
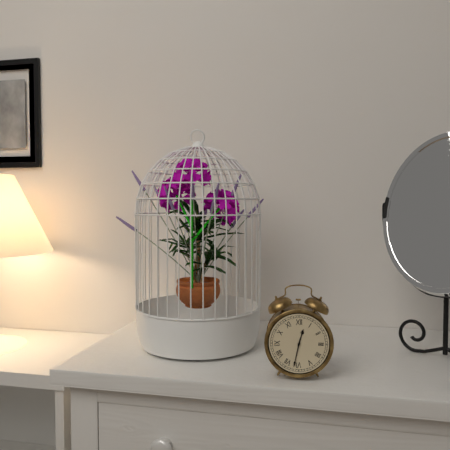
**12:32**
